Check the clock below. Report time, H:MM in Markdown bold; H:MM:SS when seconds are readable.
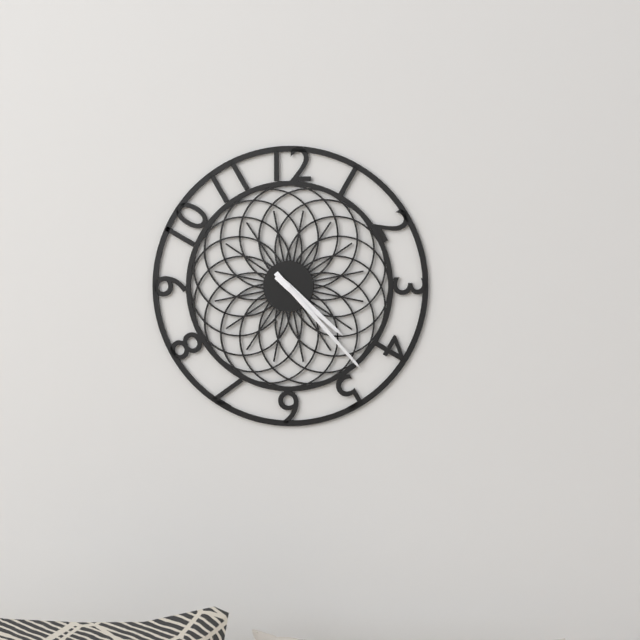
**4:23**
